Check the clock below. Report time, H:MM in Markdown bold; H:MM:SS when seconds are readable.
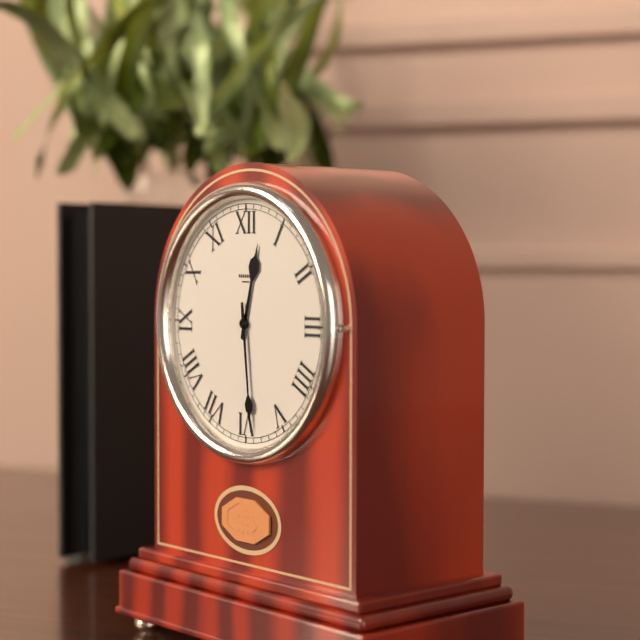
**12:29**
